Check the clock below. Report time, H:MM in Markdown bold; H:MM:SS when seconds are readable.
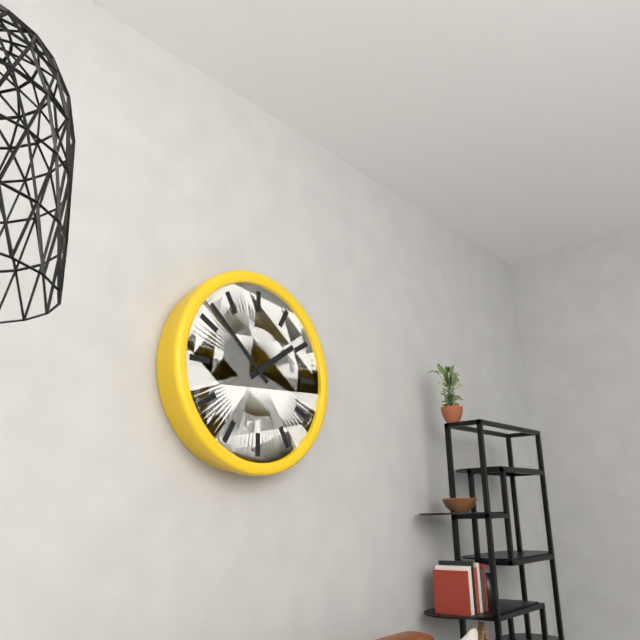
**1:52**
